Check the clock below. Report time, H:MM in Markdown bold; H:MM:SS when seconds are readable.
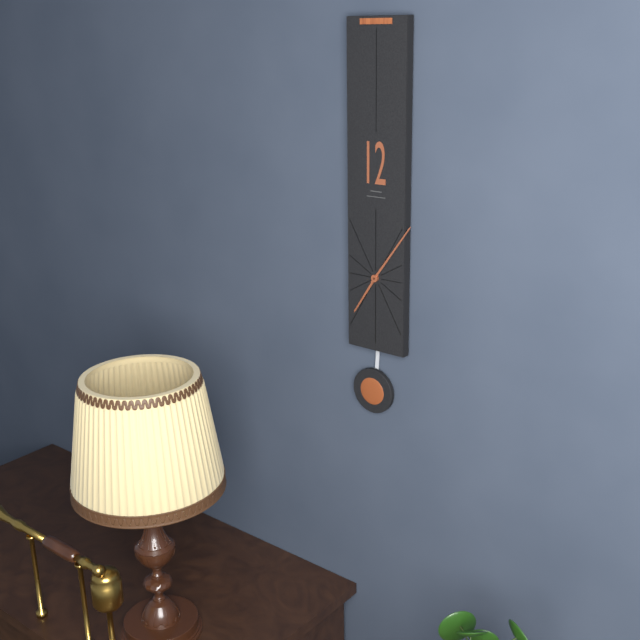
**7:06**
